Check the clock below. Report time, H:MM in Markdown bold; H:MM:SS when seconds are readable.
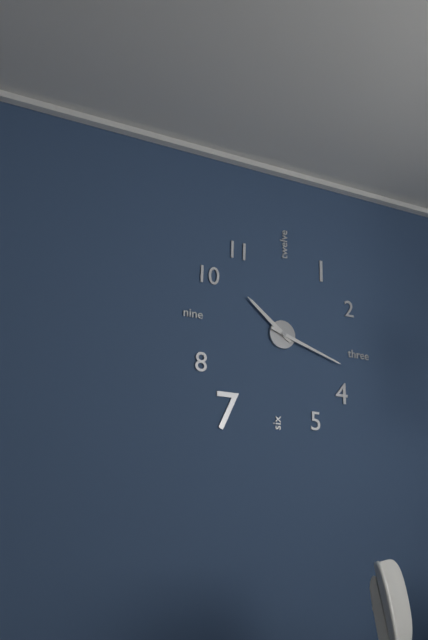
**10:18**
